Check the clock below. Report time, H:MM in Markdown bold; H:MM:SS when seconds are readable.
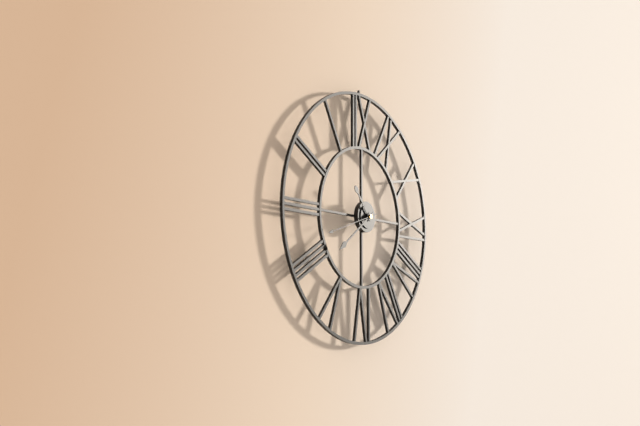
**10:39**
